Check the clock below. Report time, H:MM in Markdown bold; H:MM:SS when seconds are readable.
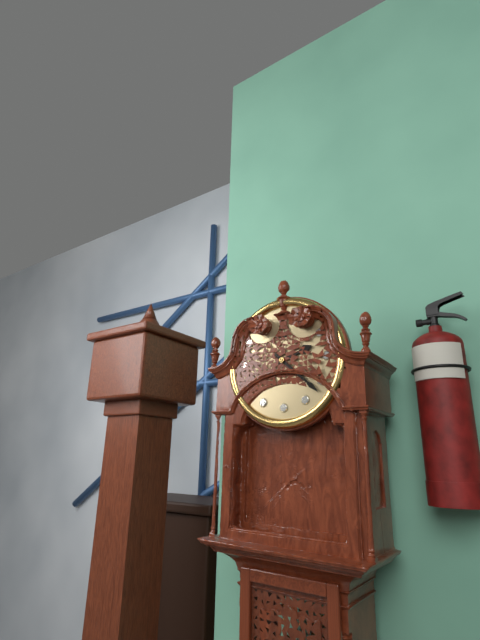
**2:22**
